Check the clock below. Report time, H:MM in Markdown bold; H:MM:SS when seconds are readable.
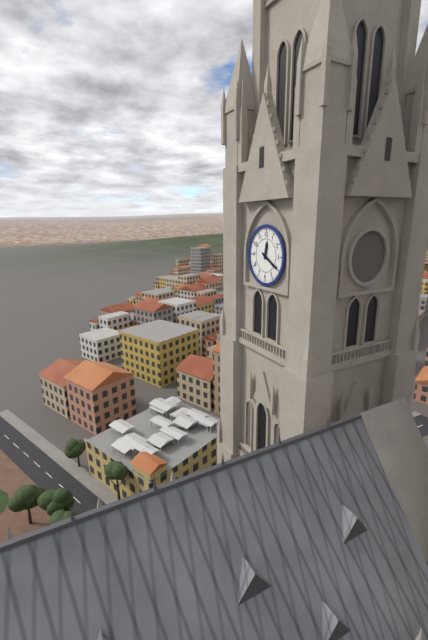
**12:20**
